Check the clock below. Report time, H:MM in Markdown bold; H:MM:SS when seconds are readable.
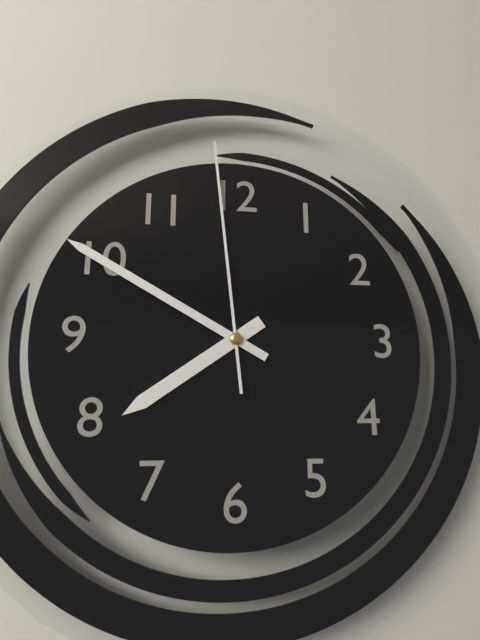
**7:50:59**
